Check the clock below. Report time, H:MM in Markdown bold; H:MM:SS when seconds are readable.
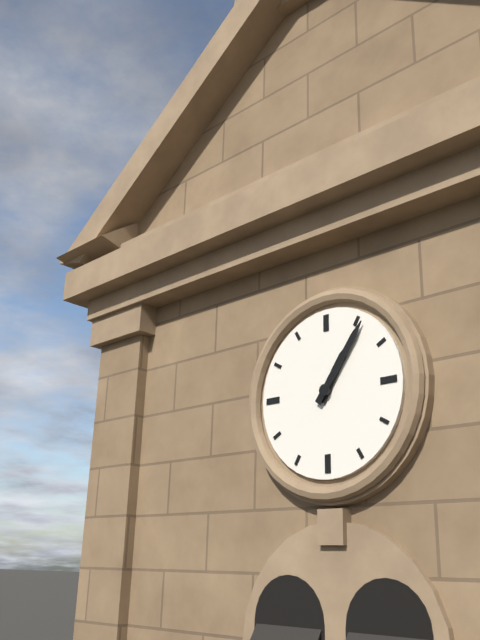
**1:06**
